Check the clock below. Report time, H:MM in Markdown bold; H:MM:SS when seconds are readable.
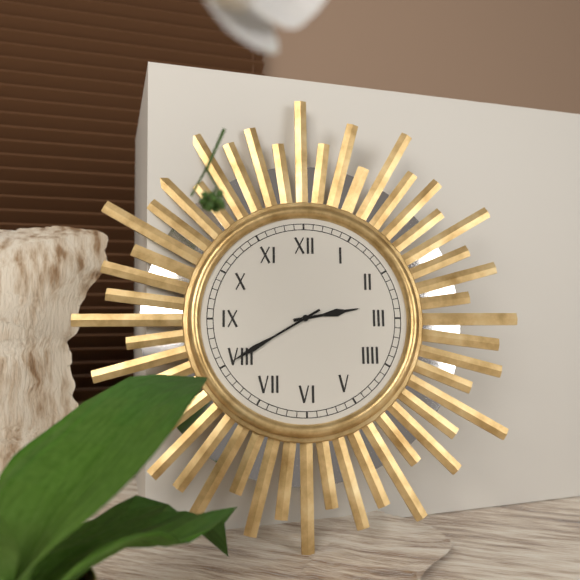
**2:40**
